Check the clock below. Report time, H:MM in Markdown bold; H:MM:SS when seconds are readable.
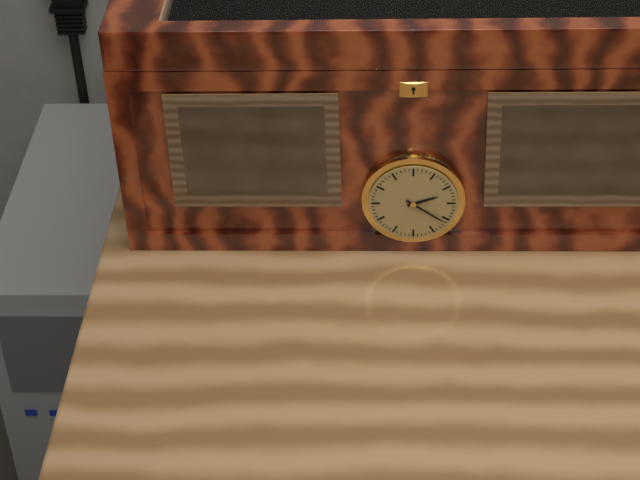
**2:21**
